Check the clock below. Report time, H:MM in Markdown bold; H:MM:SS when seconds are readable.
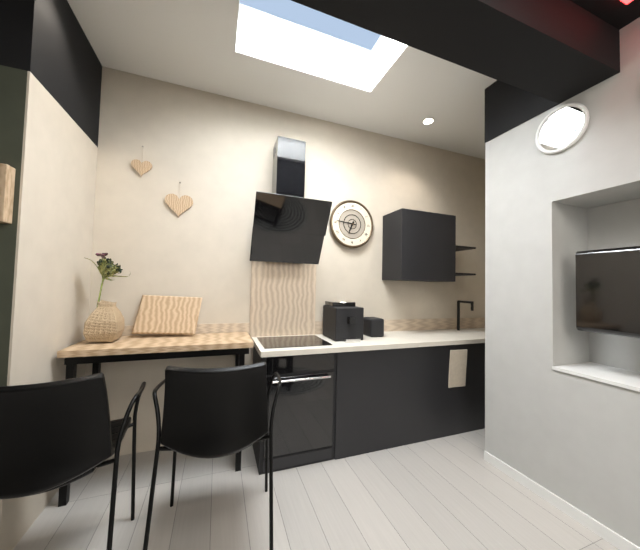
**6:46**
